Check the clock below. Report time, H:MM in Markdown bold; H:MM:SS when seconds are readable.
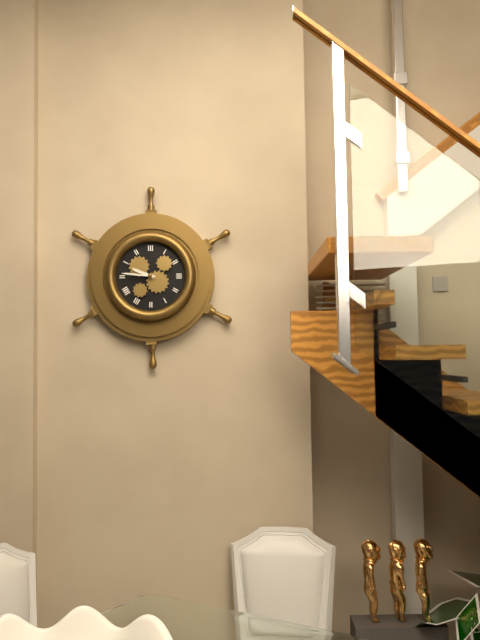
**9:46**
